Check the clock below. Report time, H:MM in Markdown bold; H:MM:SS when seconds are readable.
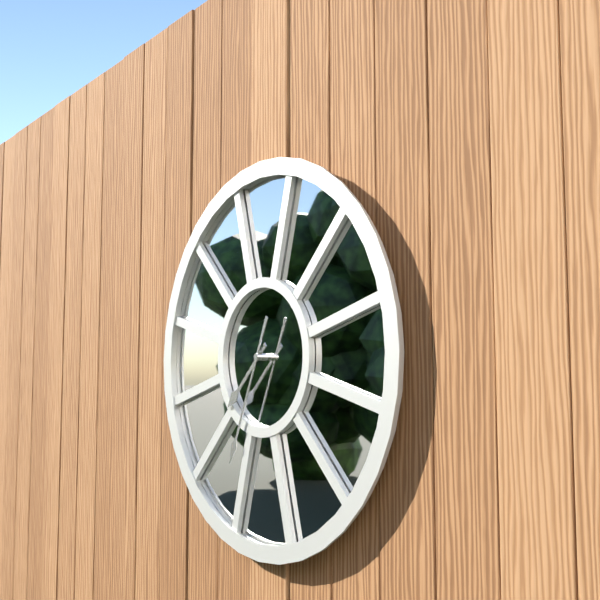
**7:34**
